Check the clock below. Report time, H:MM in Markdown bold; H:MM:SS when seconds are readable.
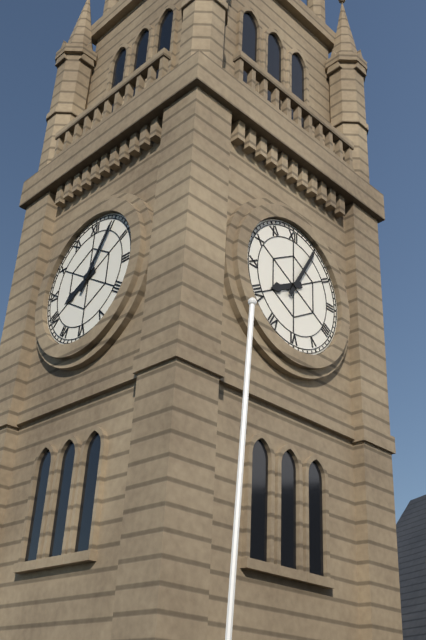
**8:05**
